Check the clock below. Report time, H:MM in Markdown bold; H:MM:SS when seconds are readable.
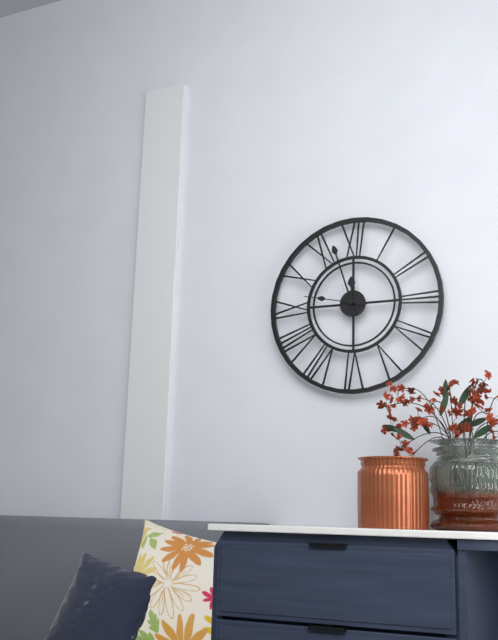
**11:57:47**
